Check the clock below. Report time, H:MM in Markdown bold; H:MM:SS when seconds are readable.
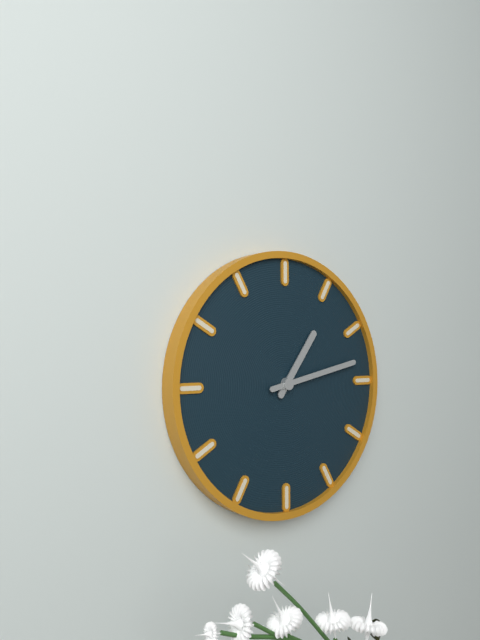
**1:13**
